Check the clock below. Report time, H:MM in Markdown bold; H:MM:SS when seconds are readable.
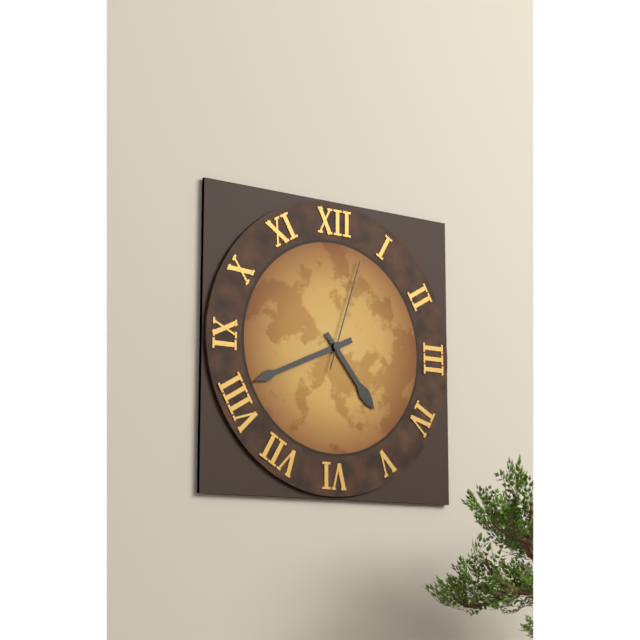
**4:41:03**
